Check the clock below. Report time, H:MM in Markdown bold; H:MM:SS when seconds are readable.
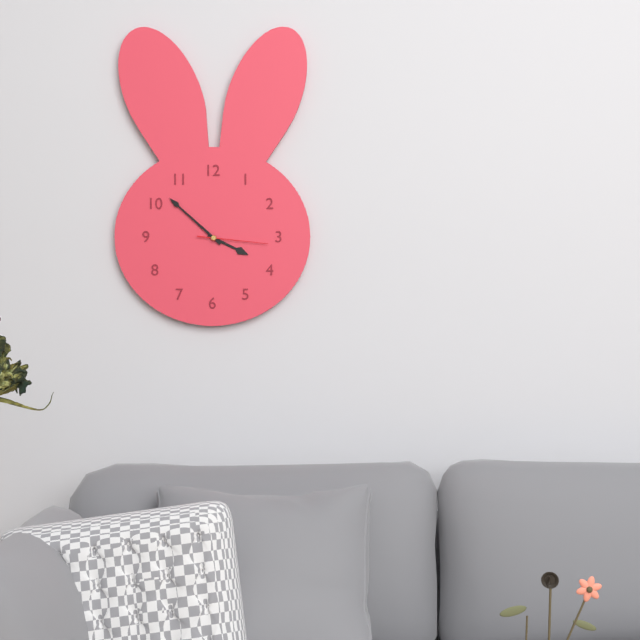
**3:52:16**
